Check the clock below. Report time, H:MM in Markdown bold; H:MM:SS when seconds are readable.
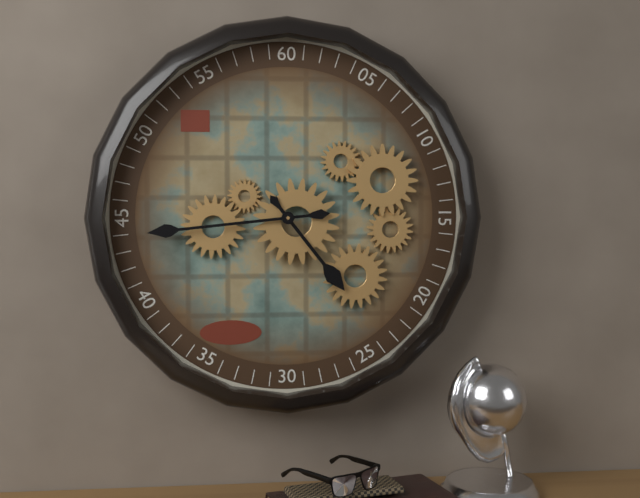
**4:44**
